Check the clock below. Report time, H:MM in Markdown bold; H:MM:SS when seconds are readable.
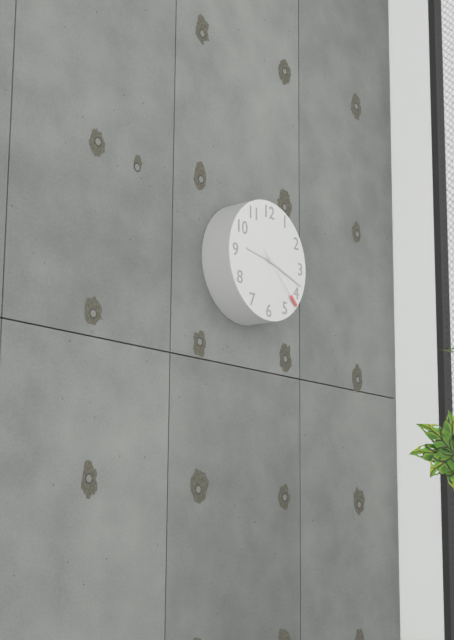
**9:18:22**
